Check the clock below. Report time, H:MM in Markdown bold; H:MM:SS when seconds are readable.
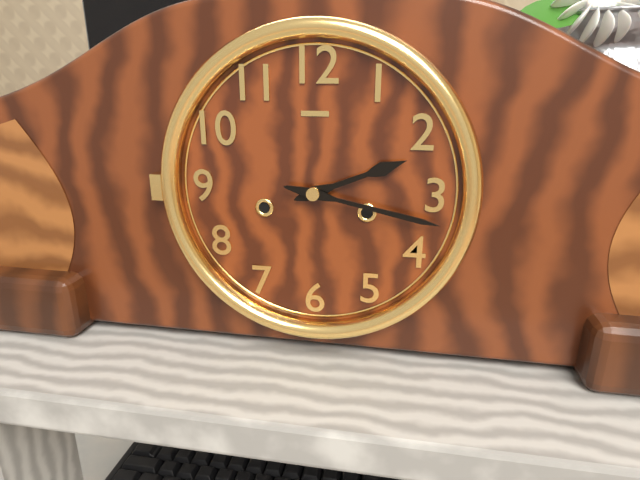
**2:17**
